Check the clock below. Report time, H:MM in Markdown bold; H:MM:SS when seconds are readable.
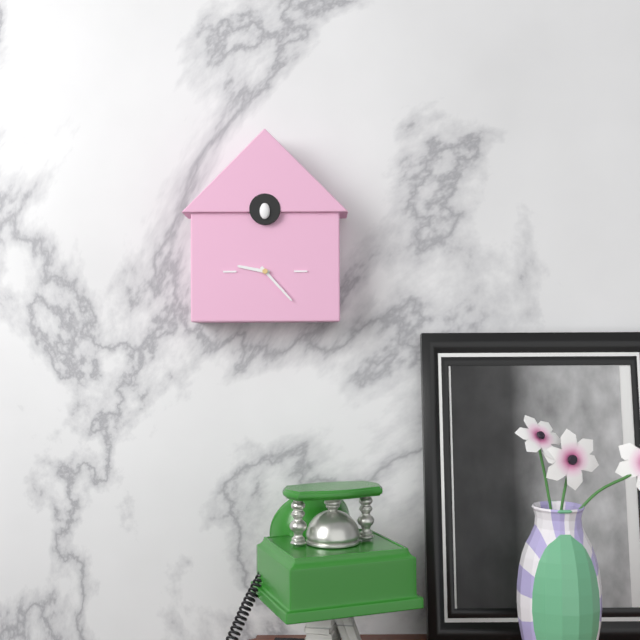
**9:23**
